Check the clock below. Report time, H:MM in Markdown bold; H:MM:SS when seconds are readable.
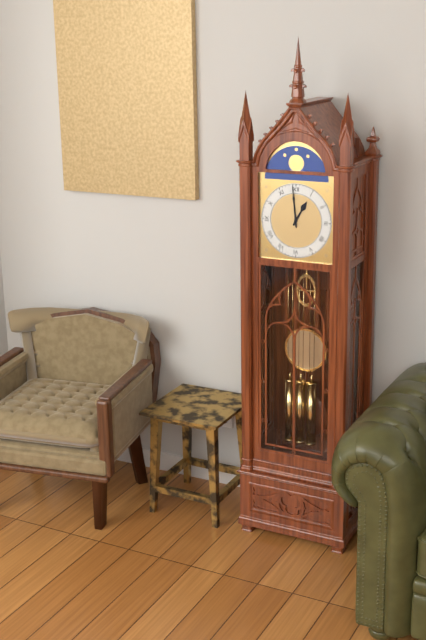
**12:59**
